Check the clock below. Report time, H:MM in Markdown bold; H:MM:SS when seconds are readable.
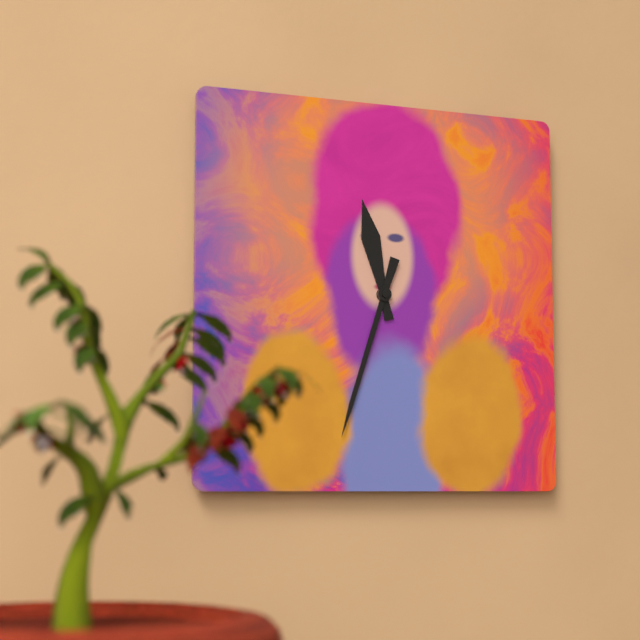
**11:33**
